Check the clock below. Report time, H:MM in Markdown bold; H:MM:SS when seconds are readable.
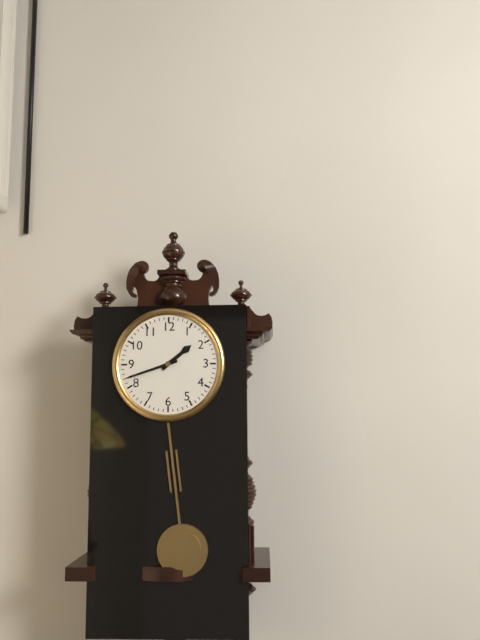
**1:42**
